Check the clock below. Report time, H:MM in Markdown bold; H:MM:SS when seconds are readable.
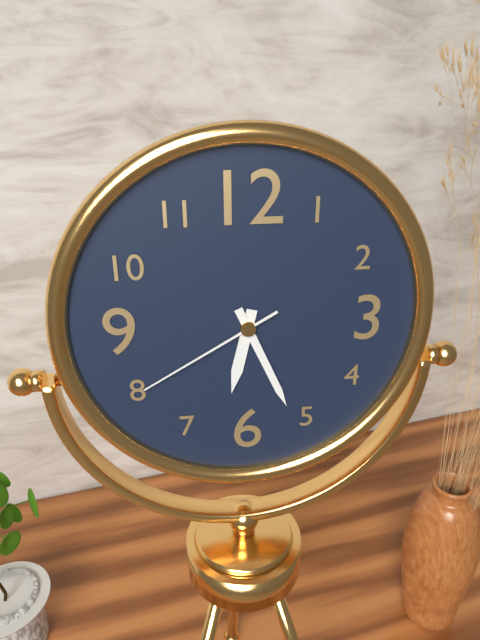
**6:26:40**
